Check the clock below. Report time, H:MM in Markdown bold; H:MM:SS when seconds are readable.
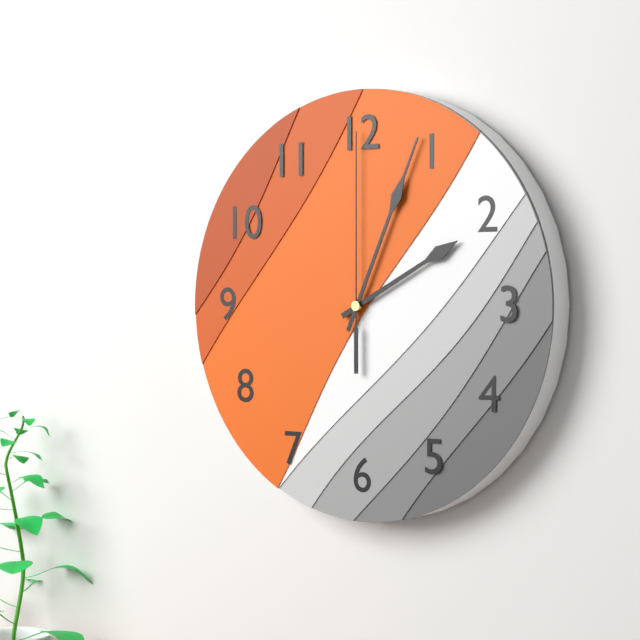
**2:04:00**
